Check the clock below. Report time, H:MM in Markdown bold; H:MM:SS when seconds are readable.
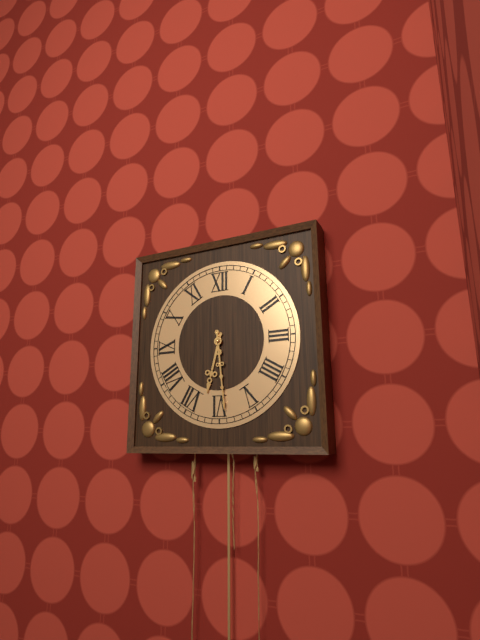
**6:29**
